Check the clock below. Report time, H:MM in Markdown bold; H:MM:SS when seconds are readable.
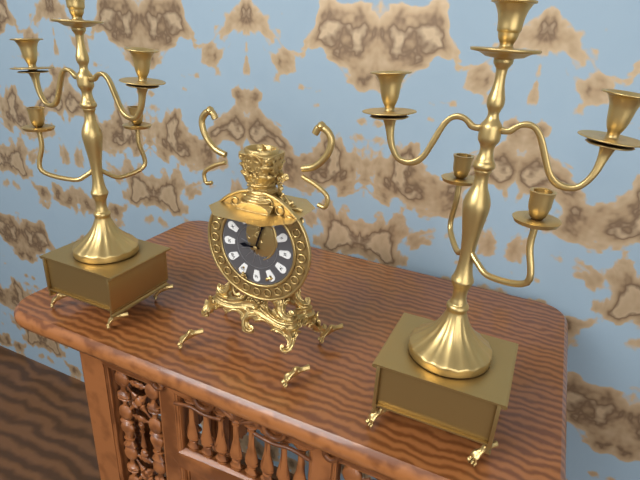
**9:03**
